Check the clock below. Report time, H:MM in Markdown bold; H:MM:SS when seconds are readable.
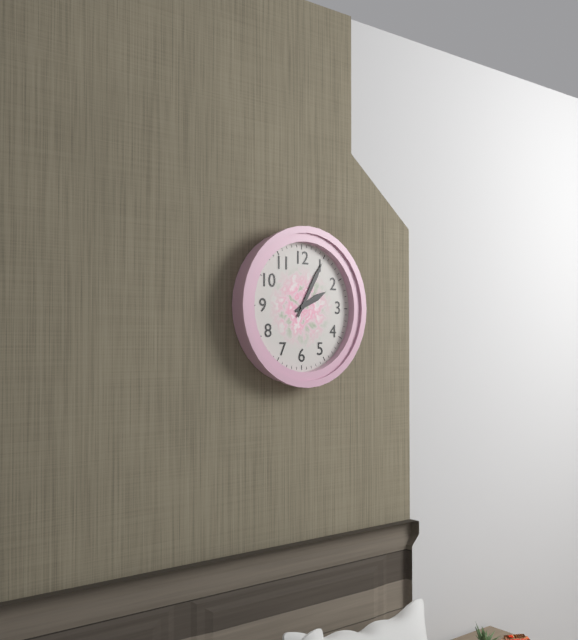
**2:05**
